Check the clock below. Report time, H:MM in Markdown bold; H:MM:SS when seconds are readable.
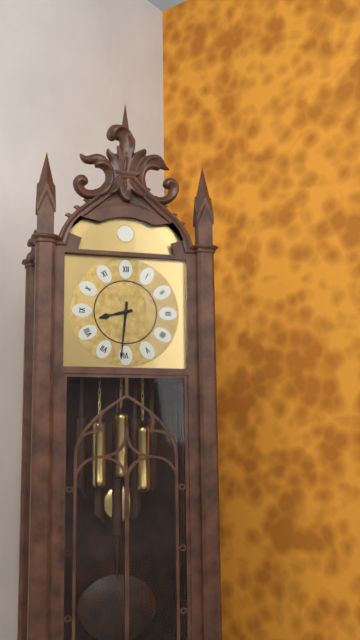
**8:31**
